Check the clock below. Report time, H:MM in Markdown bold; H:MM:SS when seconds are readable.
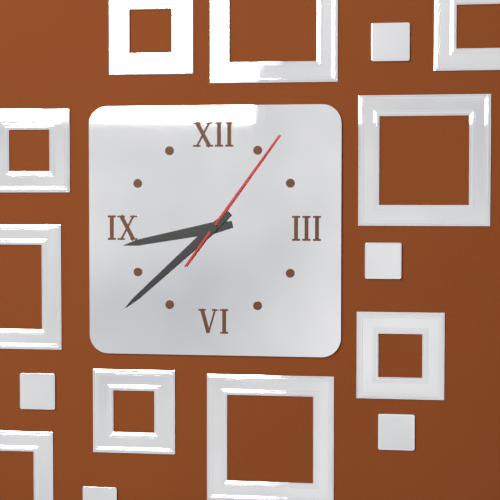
**8:38:06**
